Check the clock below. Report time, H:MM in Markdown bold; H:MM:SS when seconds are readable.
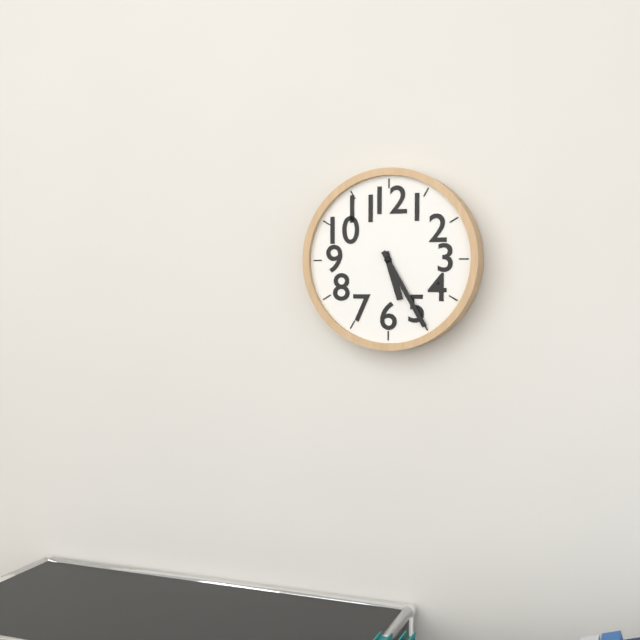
**5:25**
